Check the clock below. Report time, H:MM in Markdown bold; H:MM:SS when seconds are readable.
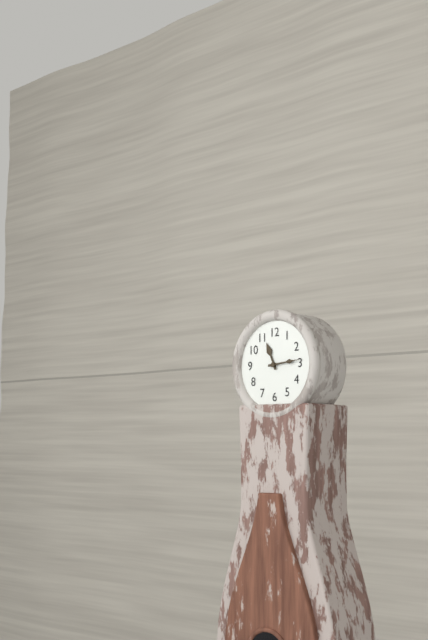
**11:14**
